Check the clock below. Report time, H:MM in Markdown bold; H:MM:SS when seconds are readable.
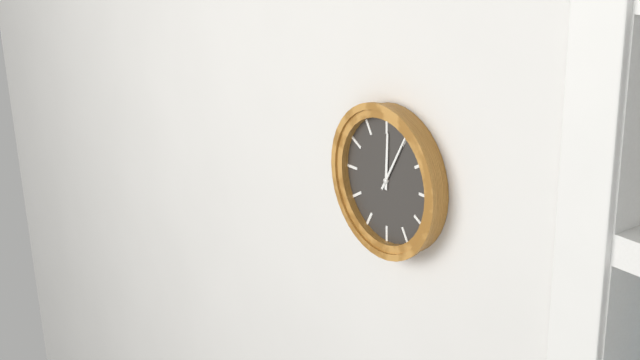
**12:05**
